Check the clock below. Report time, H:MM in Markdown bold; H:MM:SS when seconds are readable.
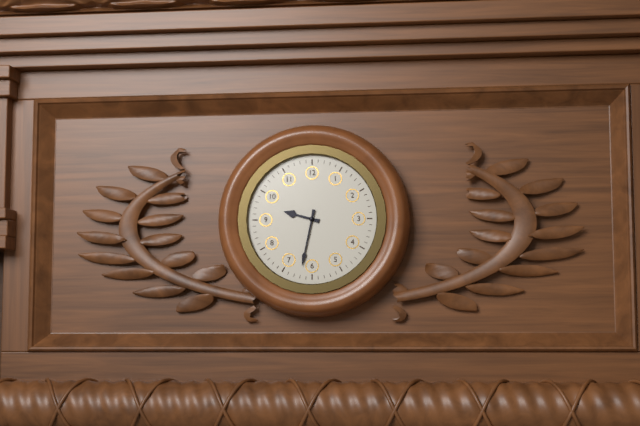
**9:32**
